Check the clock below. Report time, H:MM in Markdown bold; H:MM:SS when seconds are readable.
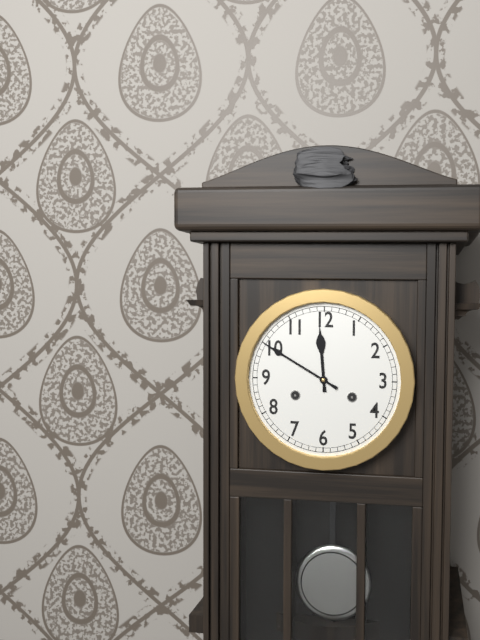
**11:50**
